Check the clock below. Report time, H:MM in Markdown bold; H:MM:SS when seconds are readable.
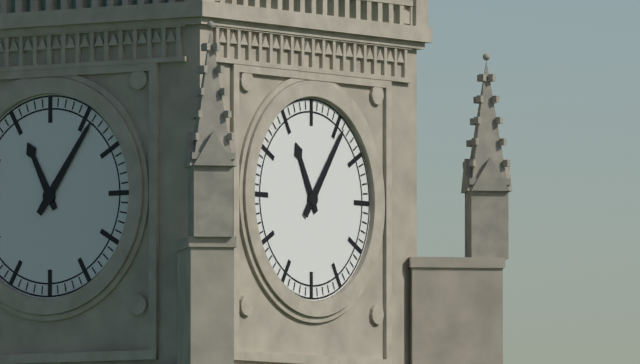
**11:06**
